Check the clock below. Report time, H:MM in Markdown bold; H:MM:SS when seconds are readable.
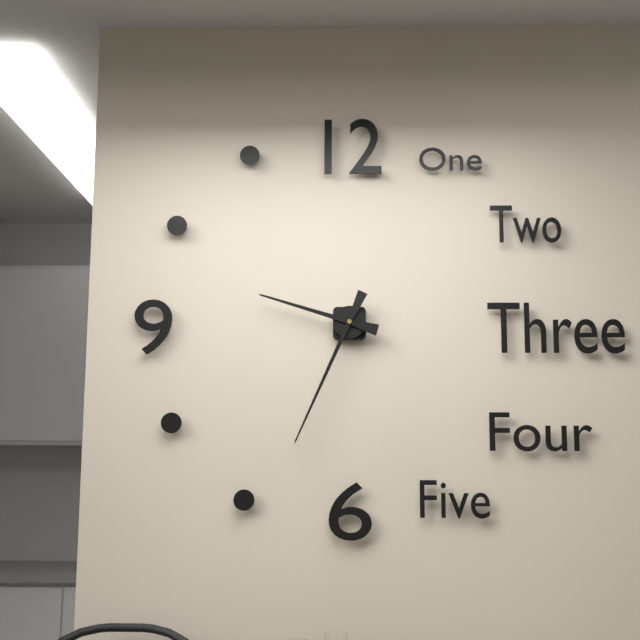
**9:34**
